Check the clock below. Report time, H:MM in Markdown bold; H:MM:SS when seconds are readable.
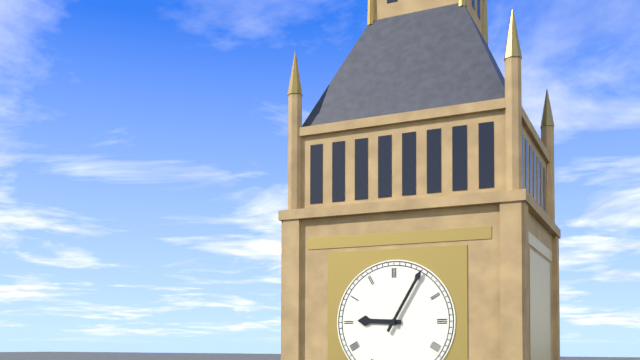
**9:05**
